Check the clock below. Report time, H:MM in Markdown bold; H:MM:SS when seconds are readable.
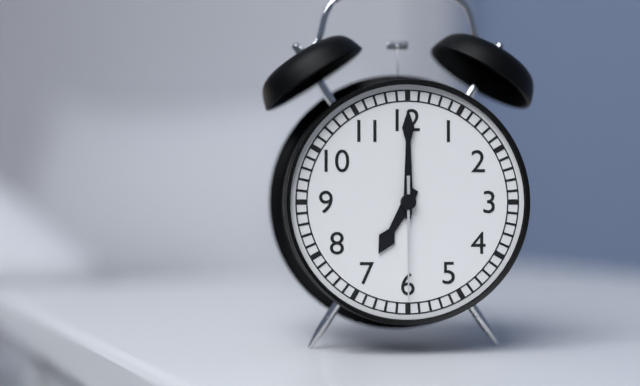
**7:00:30**
